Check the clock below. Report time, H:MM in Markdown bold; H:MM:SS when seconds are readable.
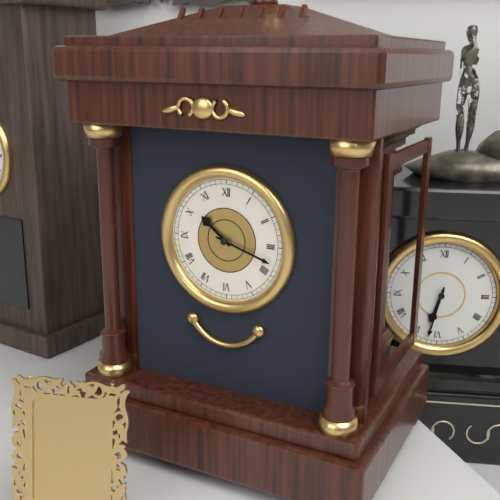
**10:18**
